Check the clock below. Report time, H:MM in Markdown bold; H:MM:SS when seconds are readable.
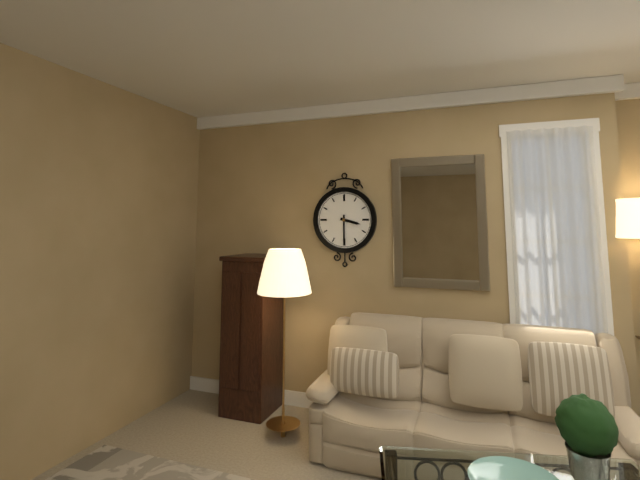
**3:30**
